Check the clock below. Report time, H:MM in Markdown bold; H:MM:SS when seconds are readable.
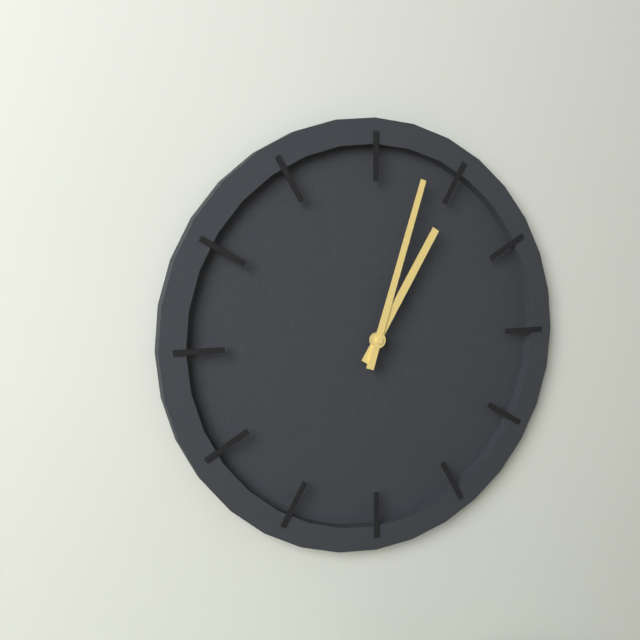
**1:03**
